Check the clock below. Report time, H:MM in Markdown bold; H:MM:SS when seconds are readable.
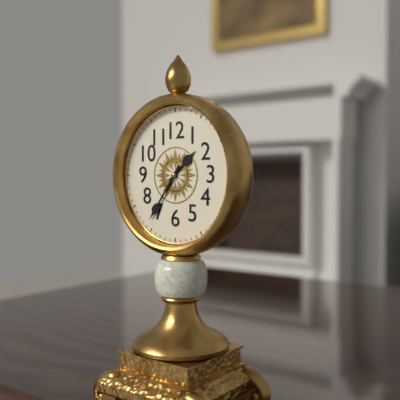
**1:36**
